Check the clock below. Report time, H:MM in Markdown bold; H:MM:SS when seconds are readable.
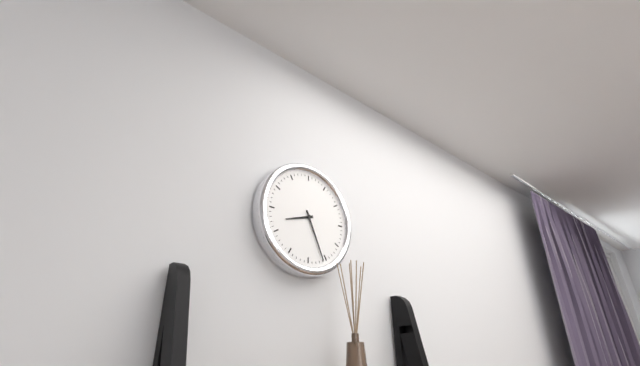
**8:26**
